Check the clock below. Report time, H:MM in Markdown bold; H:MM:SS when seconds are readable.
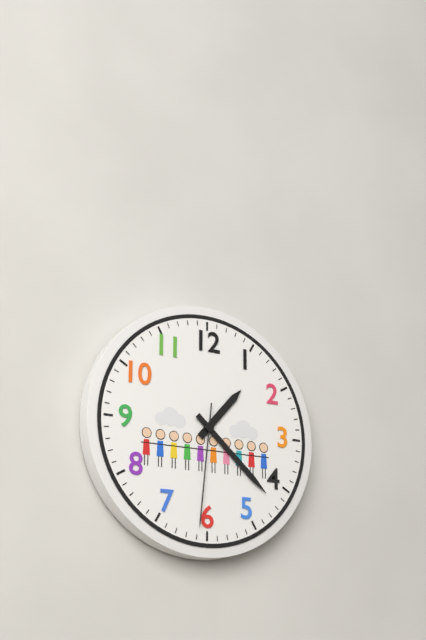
**1:22:31**
